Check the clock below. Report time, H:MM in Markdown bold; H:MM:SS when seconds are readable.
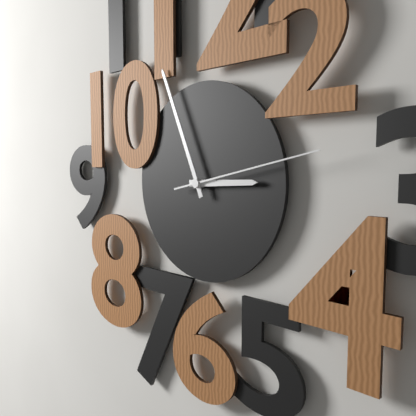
**2:56:13**
